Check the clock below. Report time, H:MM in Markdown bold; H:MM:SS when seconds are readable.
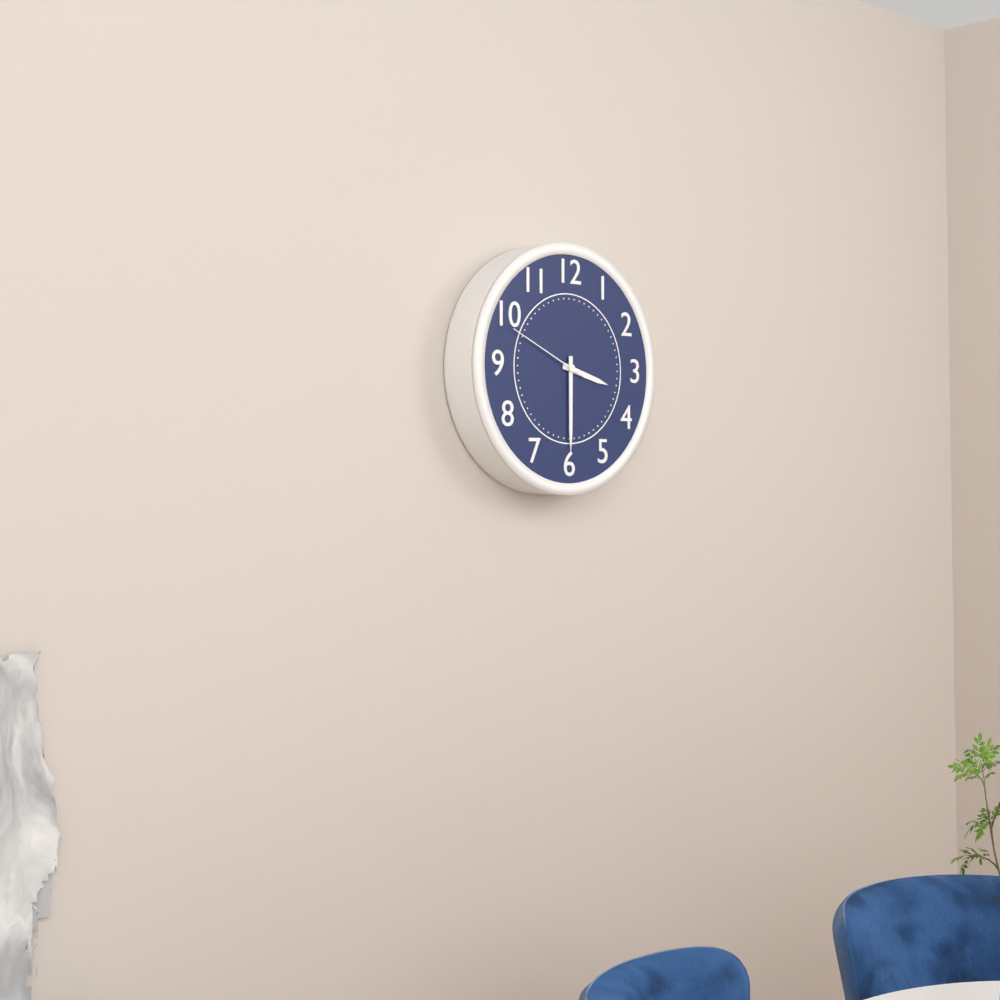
**3:30:49**
